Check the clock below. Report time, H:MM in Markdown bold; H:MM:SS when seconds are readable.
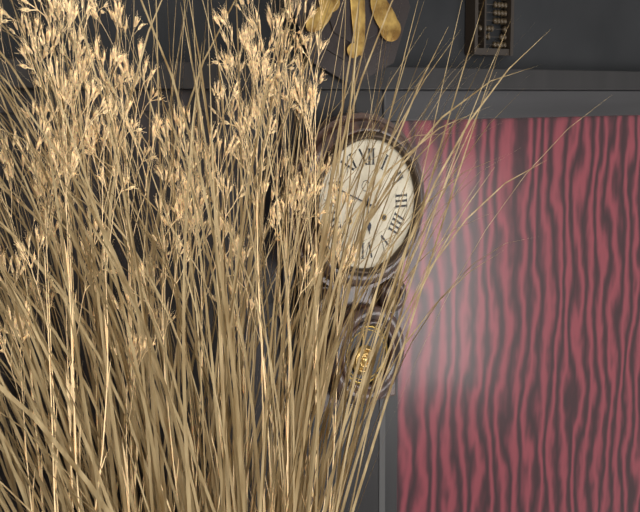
**5:49**
